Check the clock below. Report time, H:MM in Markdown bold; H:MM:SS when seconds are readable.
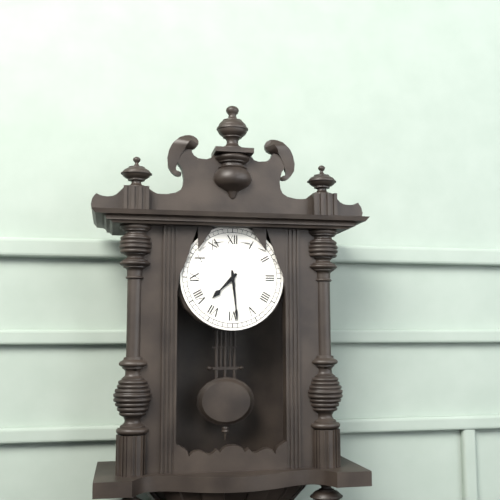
**7:29**
